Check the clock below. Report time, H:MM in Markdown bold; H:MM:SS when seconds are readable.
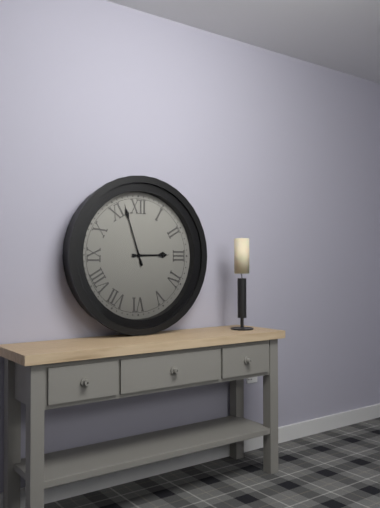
**2:57**
